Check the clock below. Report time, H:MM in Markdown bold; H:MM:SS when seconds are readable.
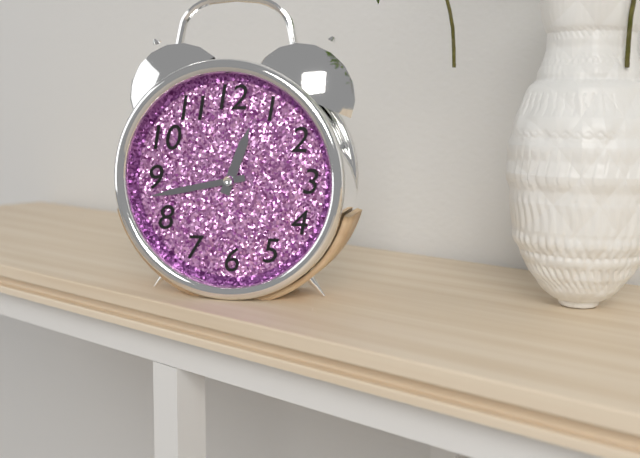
**12:43**
